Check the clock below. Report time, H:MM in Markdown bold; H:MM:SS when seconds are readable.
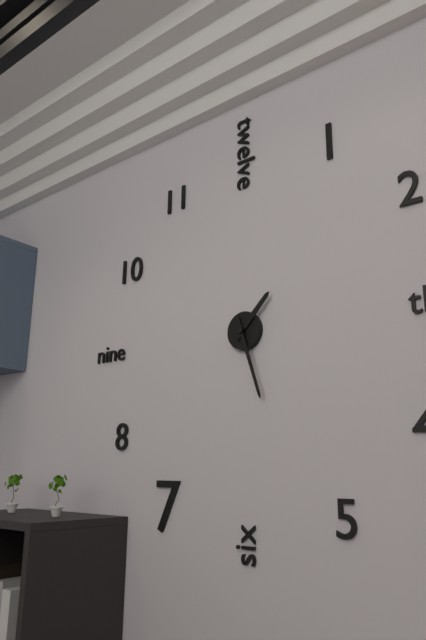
**1:27**
